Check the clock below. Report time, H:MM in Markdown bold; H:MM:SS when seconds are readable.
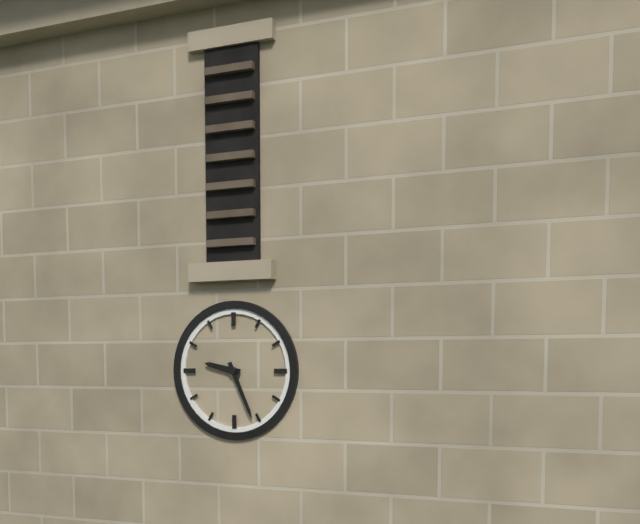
**9:26**
